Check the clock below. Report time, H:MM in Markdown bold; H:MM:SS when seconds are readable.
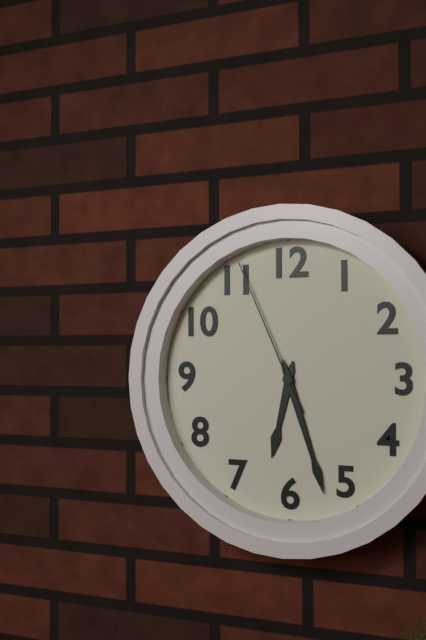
**6:27:56**
